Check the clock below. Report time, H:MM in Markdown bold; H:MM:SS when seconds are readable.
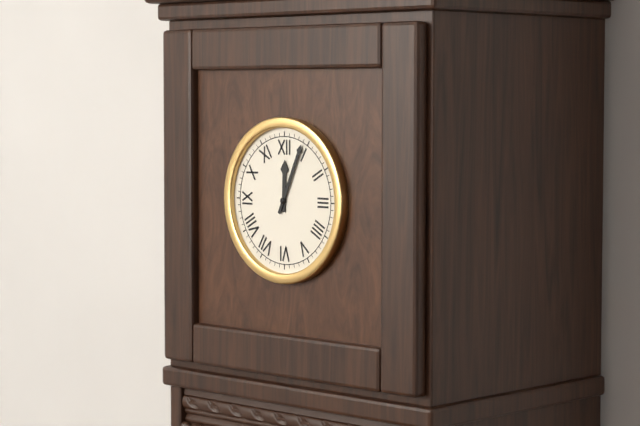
**12:04**
